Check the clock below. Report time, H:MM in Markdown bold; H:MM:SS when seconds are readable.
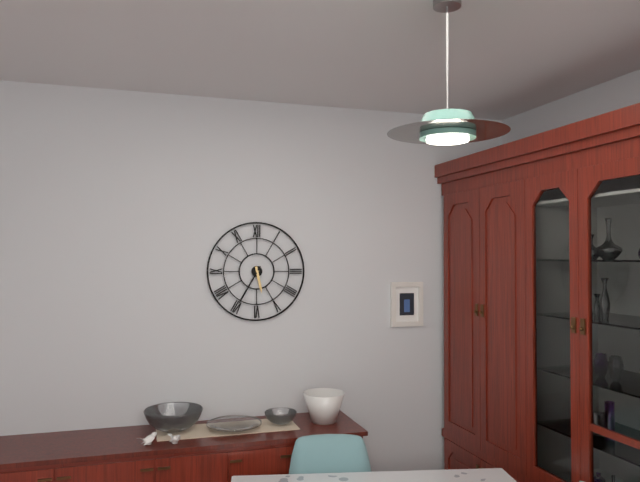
**5:35**
